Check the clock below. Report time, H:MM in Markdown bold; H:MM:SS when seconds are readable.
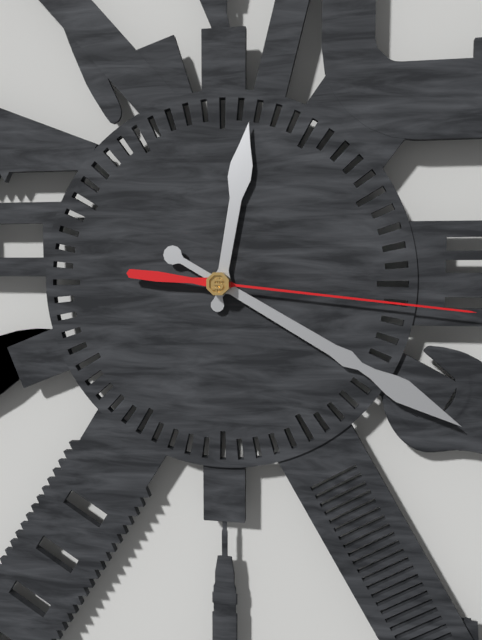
**12:20:16**
